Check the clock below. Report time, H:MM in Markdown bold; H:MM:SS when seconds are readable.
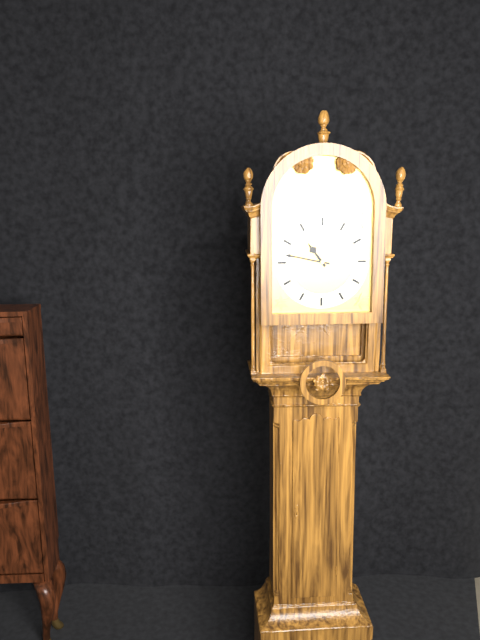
**10:47**
